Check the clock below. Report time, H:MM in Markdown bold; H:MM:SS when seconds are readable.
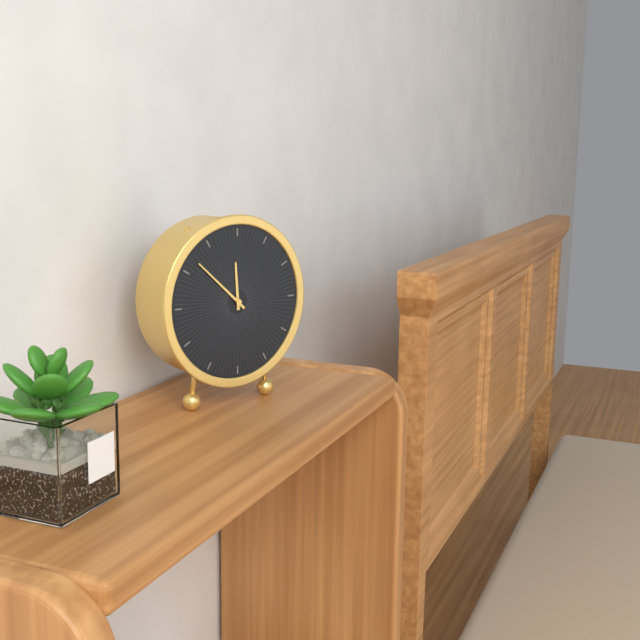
**11:52**
